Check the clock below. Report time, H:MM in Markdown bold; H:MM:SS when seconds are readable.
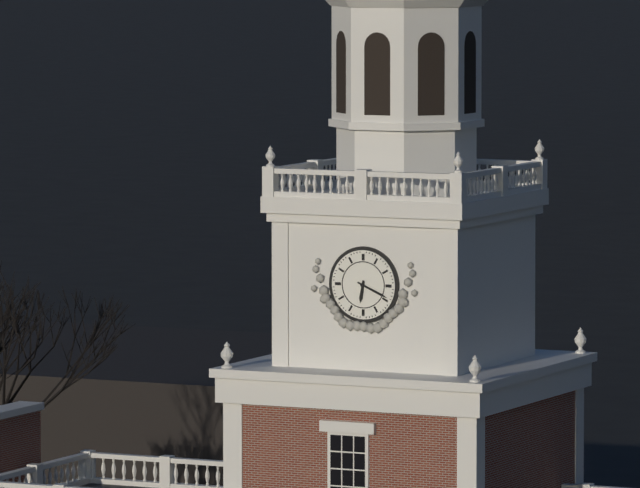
**6:19**
